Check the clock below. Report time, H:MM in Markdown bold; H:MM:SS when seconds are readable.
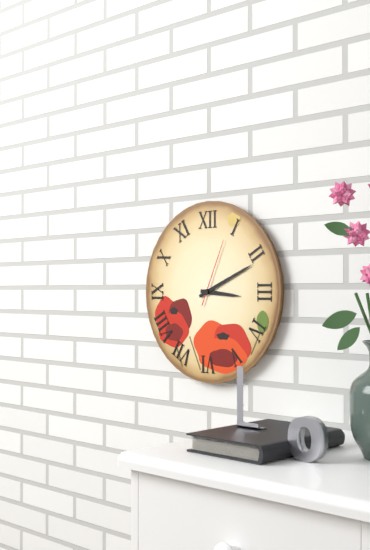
**3:11:04**
